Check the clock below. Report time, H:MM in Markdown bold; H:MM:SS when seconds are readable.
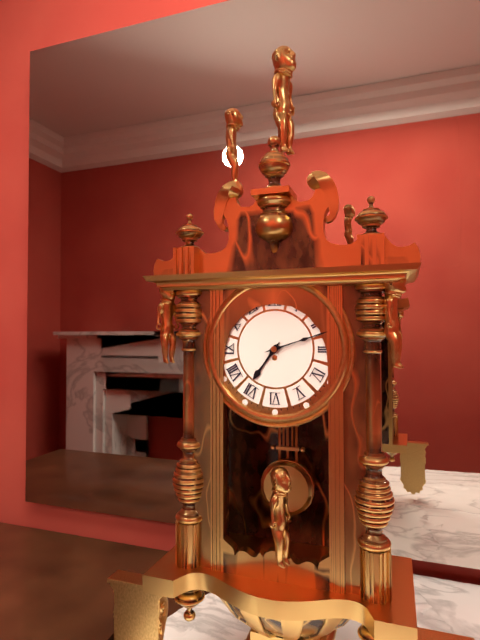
**7:12**
